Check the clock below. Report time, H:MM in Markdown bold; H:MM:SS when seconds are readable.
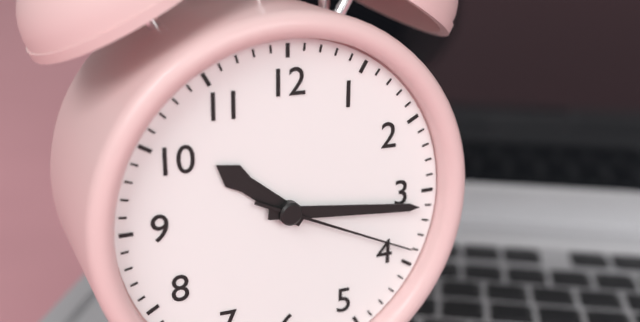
**10:16:19**
